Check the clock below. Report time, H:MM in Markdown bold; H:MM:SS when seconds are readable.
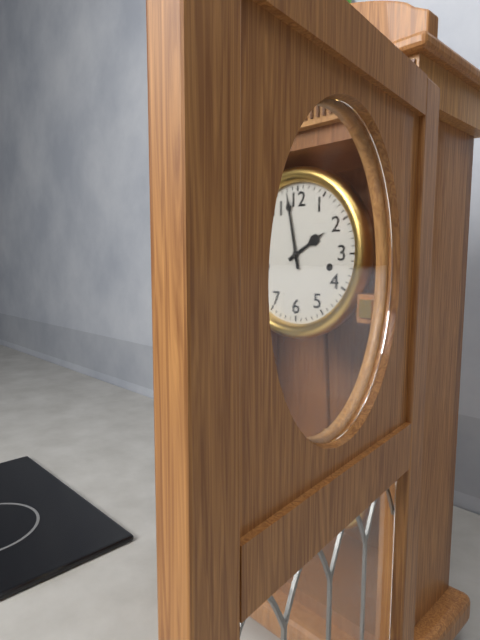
**1:58**
